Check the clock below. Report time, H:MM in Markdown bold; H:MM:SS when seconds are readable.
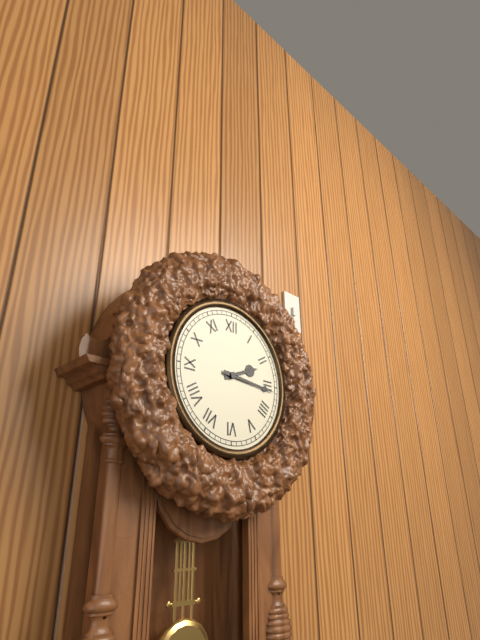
**2:16**
